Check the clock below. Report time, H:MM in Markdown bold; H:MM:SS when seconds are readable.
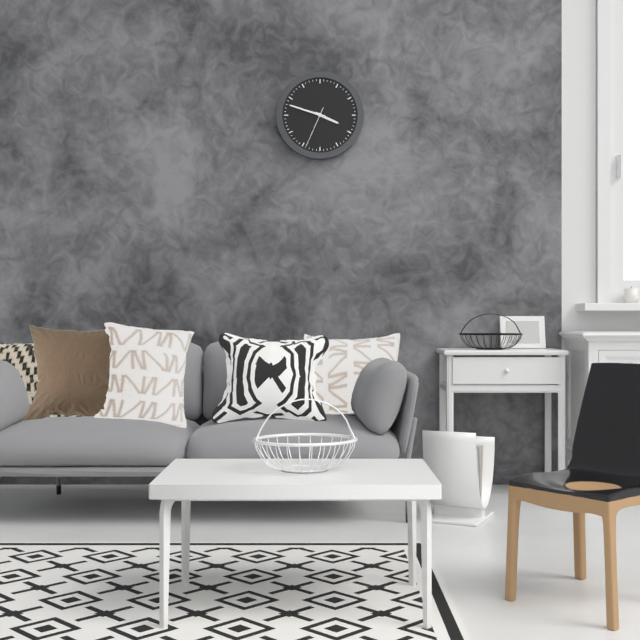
**3:48**
